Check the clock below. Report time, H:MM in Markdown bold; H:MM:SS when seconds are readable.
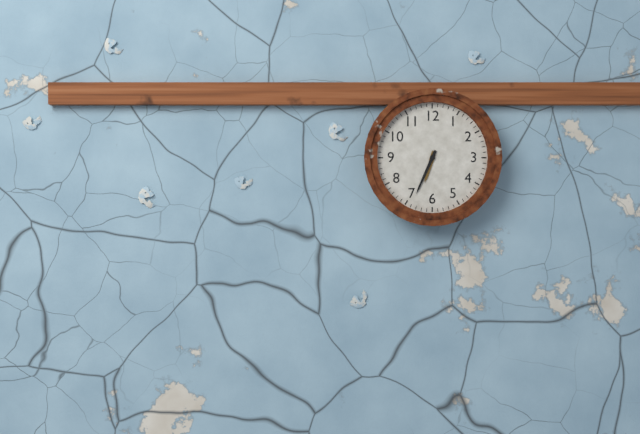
**6:34**
